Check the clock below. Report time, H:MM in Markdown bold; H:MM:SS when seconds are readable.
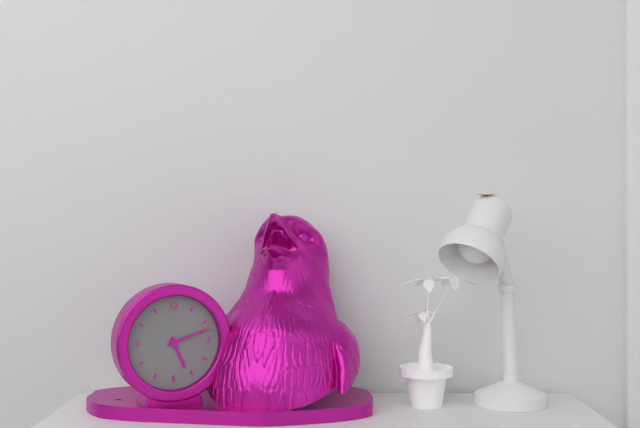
**5:12**
